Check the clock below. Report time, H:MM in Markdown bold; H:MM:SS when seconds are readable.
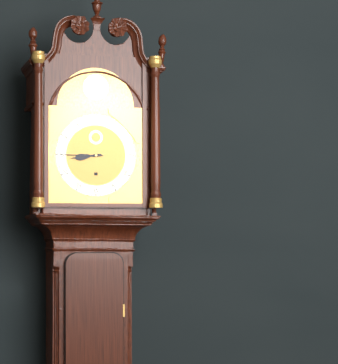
**8:45**
